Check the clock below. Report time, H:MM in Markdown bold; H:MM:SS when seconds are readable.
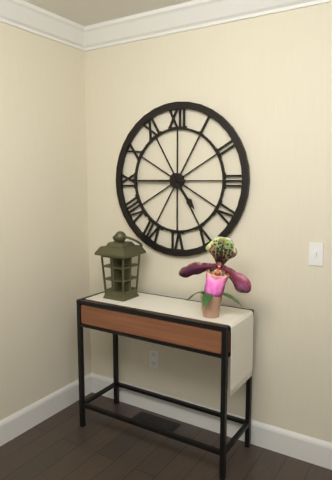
**4:45**
